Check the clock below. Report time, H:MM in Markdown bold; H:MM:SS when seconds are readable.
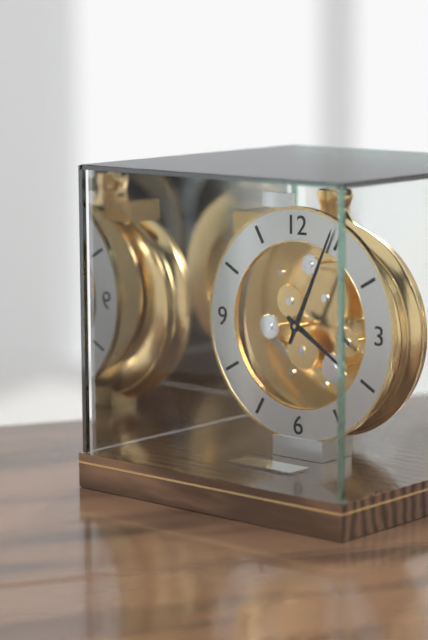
**4:04**
